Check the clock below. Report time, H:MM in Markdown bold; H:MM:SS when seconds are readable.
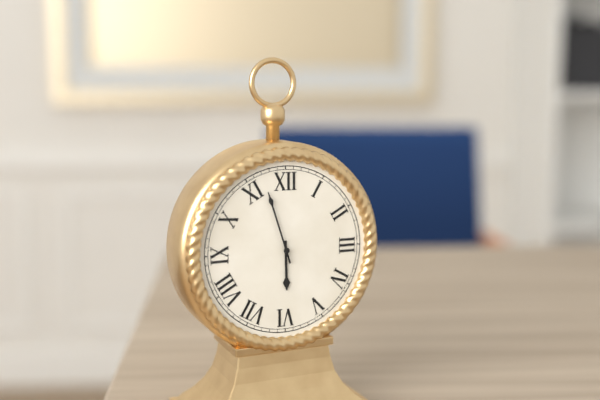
**5:57**
